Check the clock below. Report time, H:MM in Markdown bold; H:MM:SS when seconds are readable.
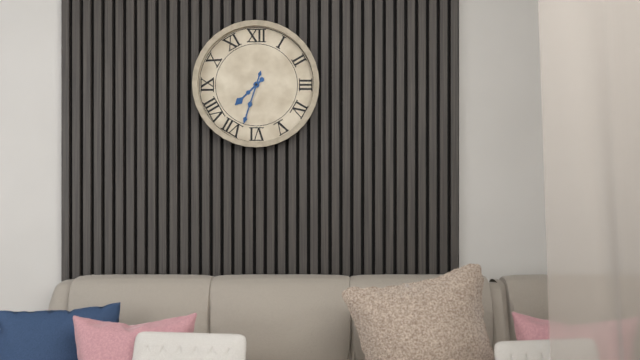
**7:33**
